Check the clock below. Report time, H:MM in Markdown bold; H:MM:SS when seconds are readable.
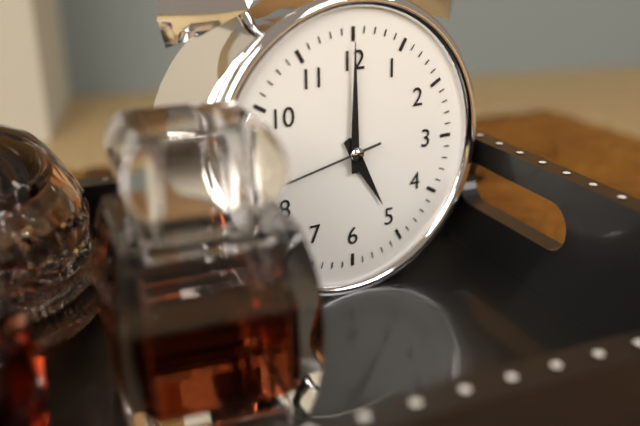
**5:00:43**
